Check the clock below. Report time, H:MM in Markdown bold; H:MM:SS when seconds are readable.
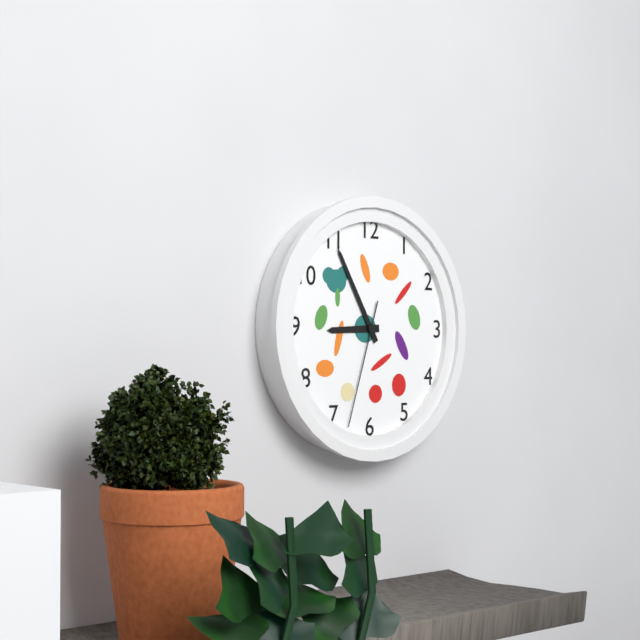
**8:55:33**
